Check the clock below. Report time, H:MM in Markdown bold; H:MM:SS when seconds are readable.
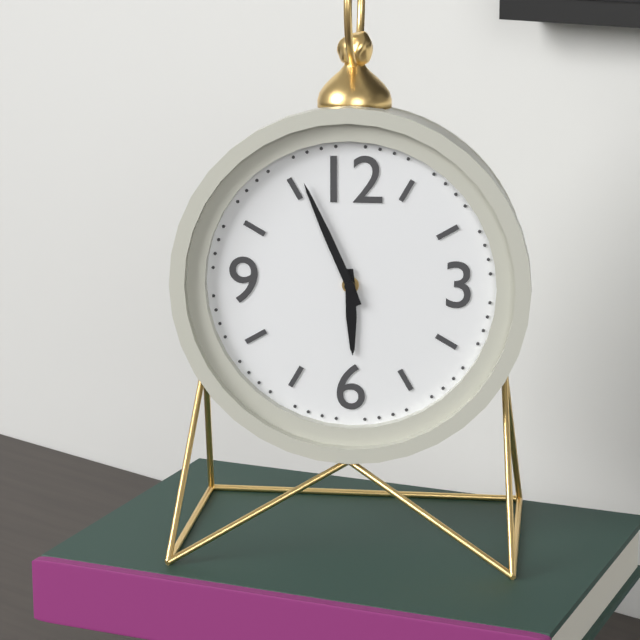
**5:56**
